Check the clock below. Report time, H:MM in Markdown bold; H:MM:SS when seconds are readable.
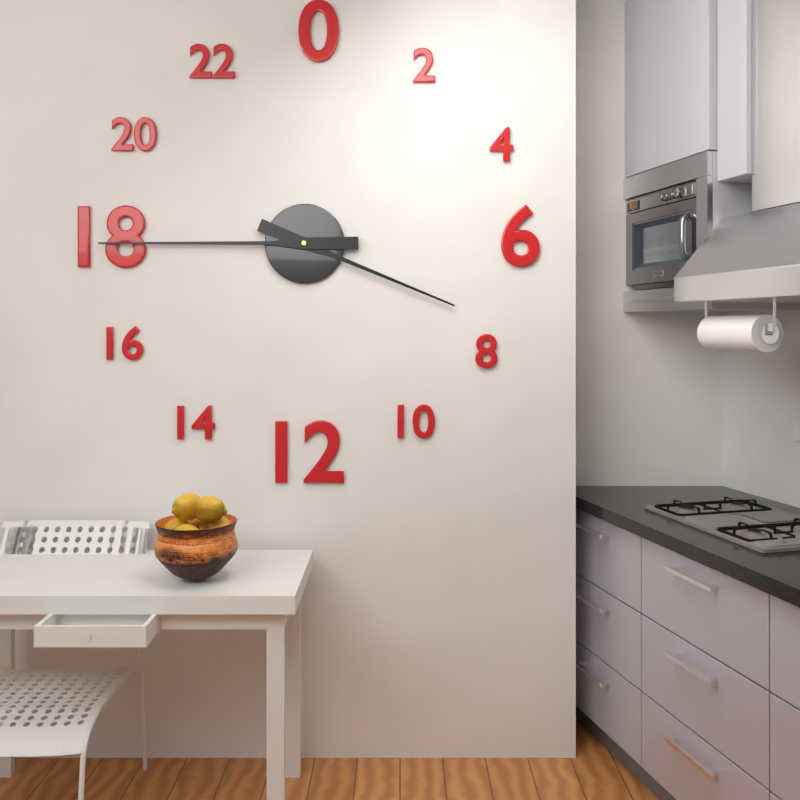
**3:45**
